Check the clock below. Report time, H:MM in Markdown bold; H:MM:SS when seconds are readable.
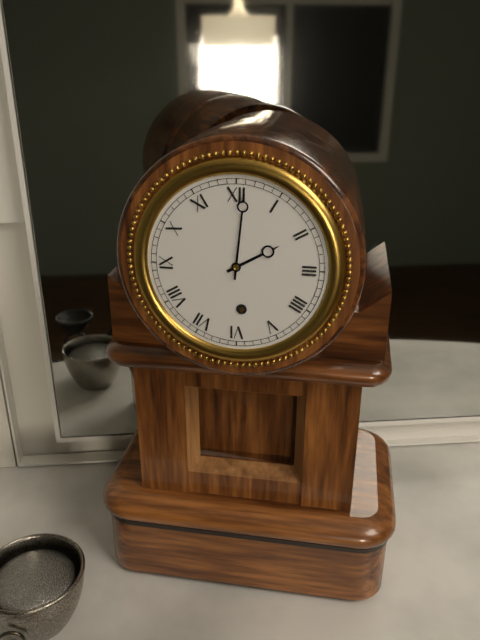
**2:01**
